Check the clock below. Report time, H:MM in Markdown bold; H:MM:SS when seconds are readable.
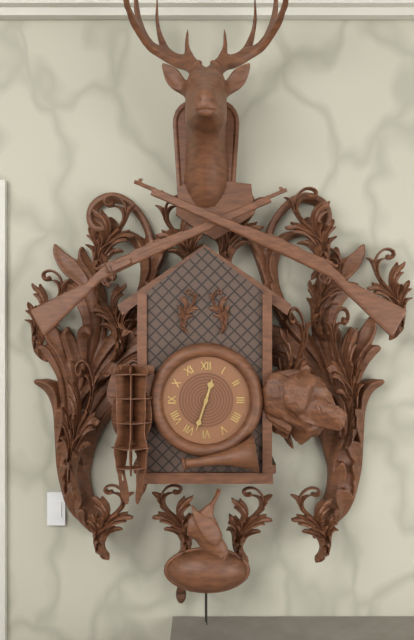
**12:33**
